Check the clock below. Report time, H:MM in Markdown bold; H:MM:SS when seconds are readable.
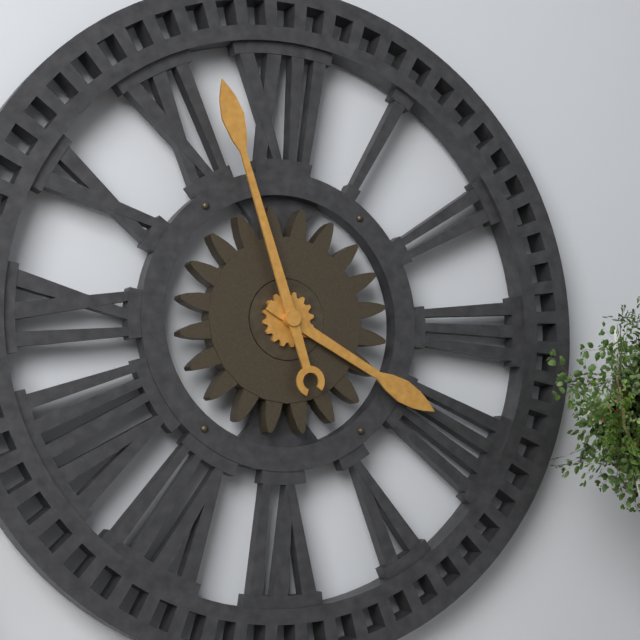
**3:57**
